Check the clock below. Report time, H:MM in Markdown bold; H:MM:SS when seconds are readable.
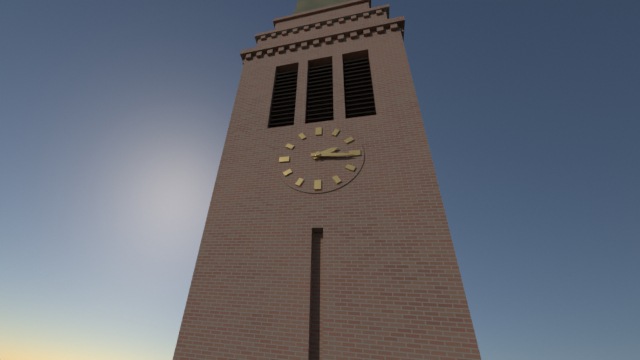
**2:16**
